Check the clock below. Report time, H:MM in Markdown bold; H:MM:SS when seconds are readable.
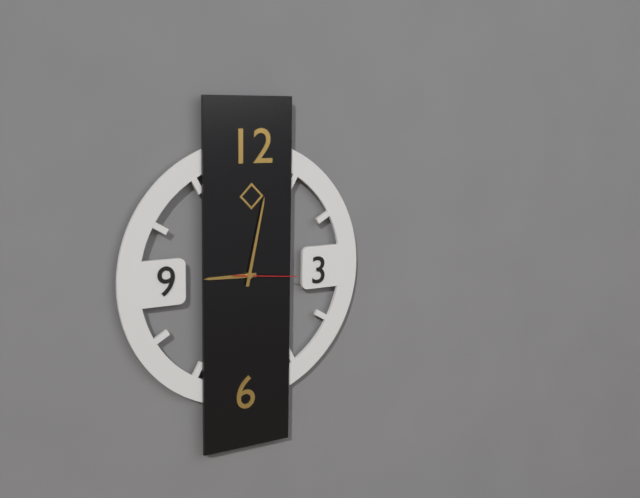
**9:02:16**
